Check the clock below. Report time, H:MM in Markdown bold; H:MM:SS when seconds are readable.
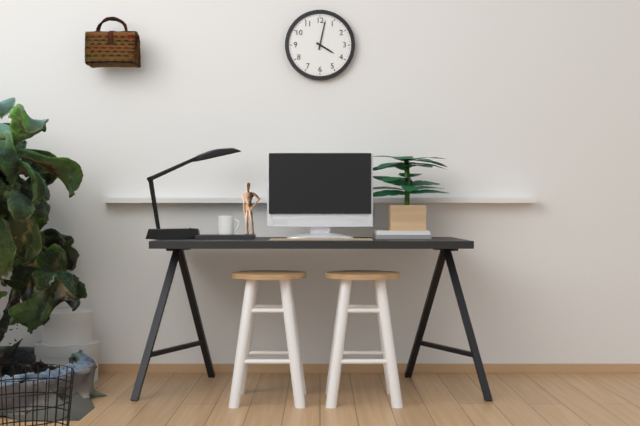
**4:02**
